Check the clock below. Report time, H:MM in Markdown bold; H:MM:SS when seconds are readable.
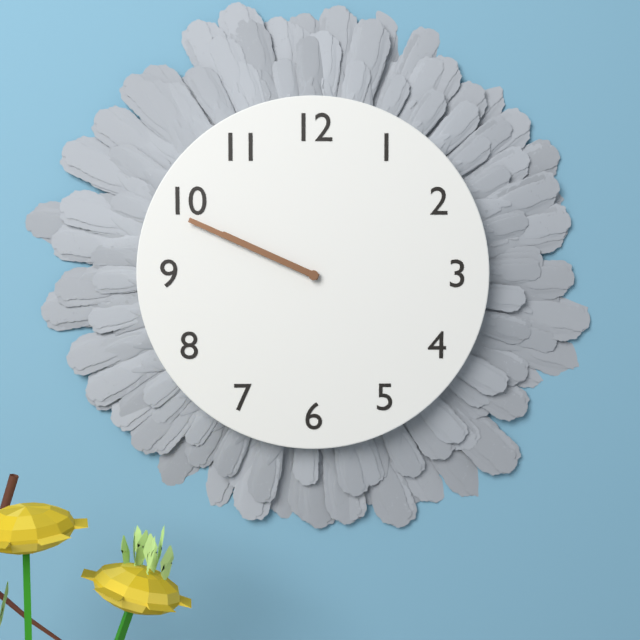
**9:49**
